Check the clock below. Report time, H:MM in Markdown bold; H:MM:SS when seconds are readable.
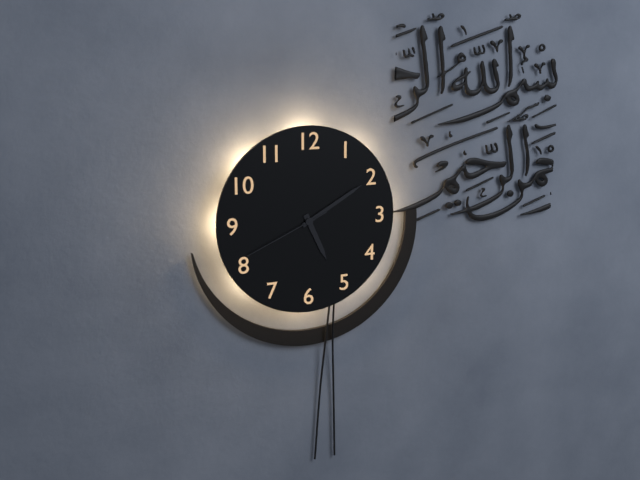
**5:10:41**
